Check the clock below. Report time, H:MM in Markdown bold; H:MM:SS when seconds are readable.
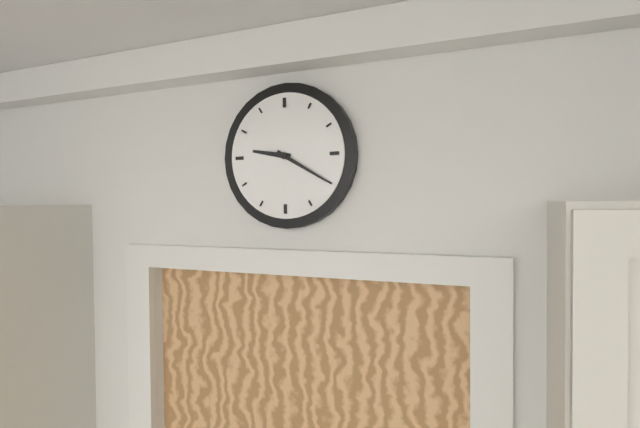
**9:20**
